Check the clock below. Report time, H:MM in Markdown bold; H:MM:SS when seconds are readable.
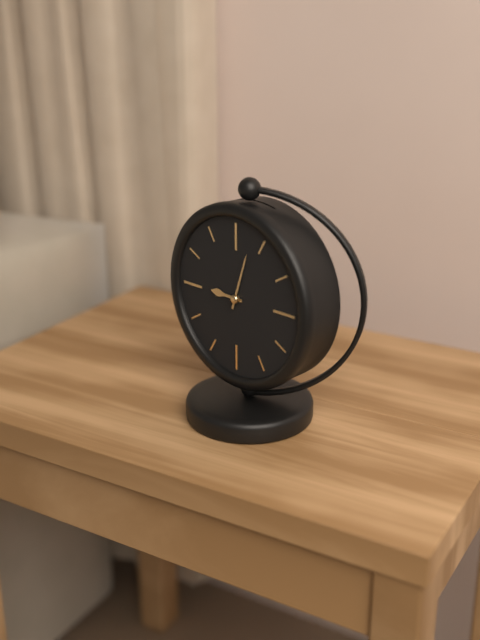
**9:03**
